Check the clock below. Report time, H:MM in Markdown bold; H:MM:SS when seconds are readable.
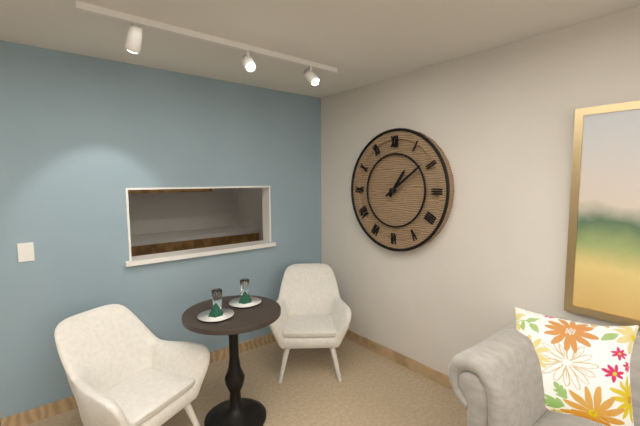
**1:09**
